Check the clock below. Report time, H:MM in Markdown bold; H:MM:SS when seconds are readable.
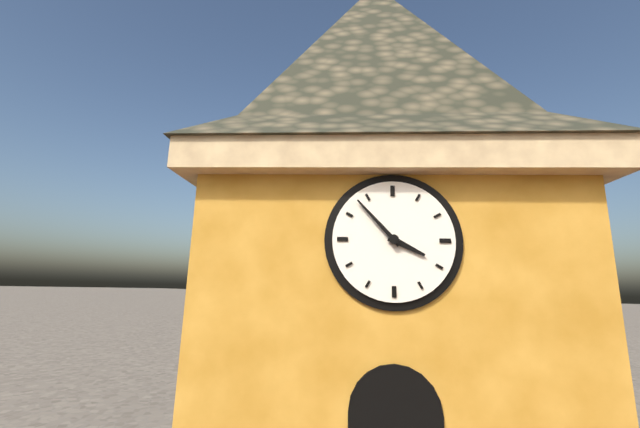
**3:53**
